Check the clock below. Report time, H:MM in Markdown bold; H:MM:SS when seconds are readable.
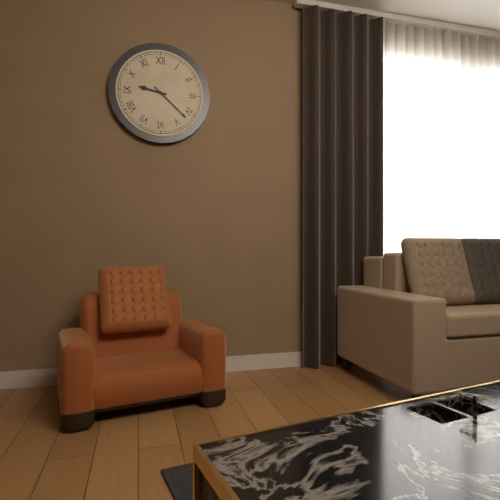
**9:22**
